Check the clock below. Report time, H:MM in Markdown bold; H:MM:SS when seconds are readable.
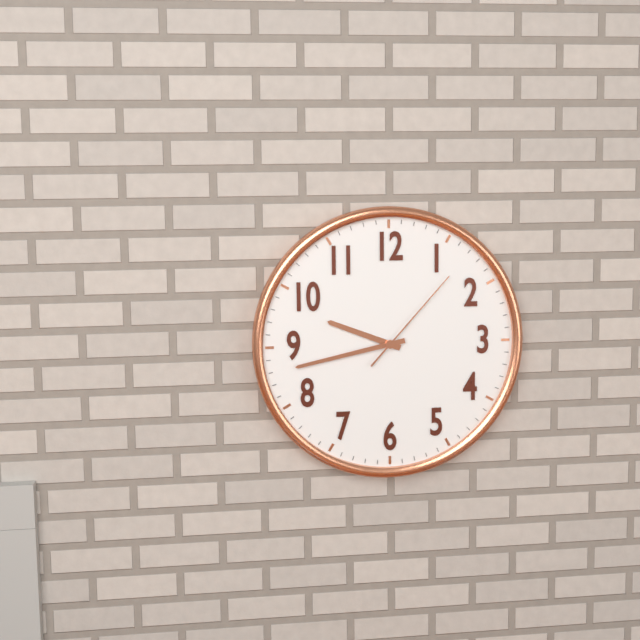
**9:43:07**
